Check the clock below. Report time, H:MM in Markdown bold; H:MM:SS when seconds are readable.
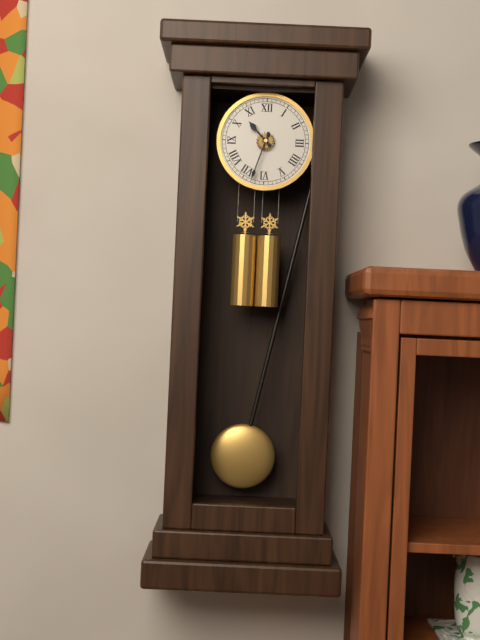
**10:33**
